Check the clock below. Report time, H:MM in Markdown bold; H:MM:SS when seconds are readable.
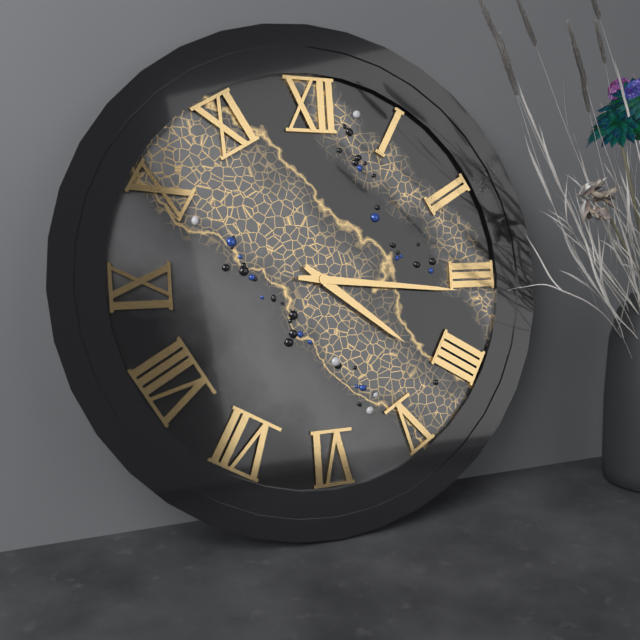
**4:16**
